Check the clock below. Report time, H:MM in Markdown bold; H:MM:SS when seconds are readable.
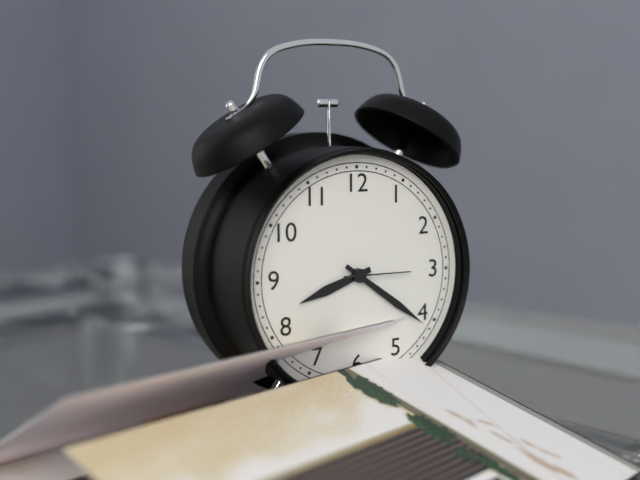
**8:21:15**
